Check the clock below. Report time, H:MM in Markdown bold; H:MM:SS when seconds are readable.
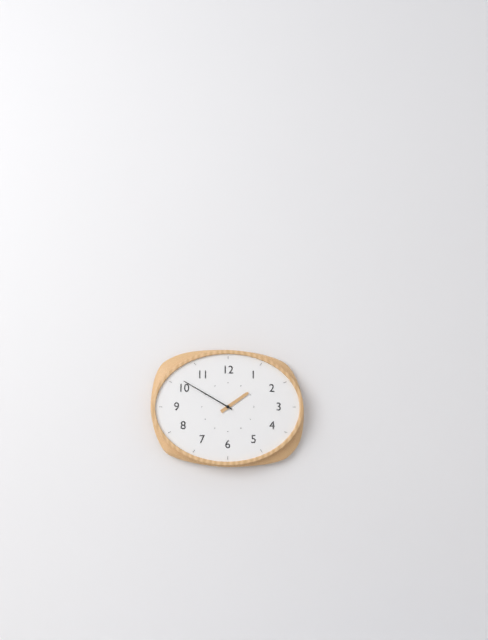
**1:50**
